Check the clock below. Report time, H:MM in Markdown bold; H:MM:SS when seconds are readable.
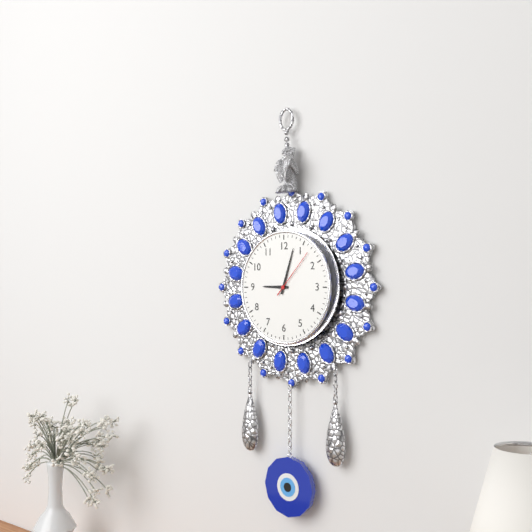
**9:03:07**
